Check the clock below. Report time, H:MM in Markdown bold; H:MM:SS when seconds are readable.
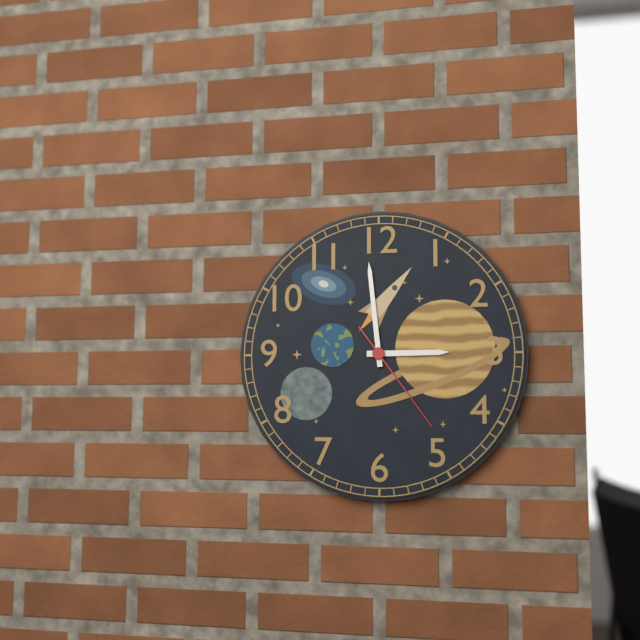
**2:59:24**
